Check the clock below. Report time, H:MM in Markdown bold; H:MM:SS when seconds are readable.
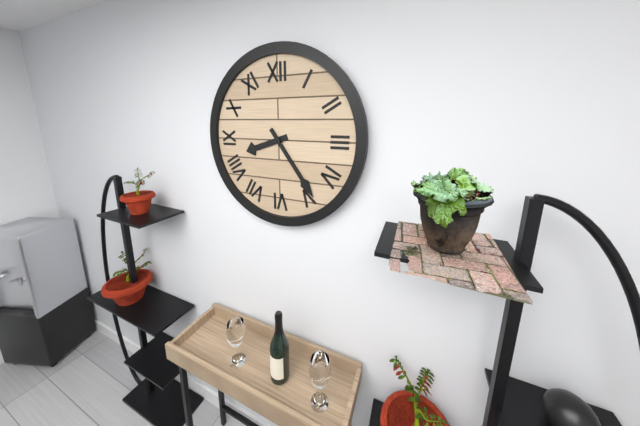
**8:24**
